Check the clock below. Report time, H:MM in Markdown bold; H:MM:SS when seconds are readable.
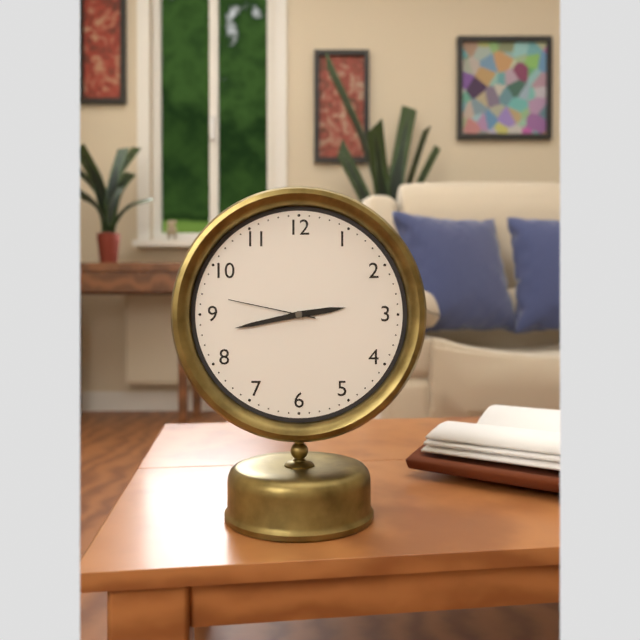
**2:43:47**
